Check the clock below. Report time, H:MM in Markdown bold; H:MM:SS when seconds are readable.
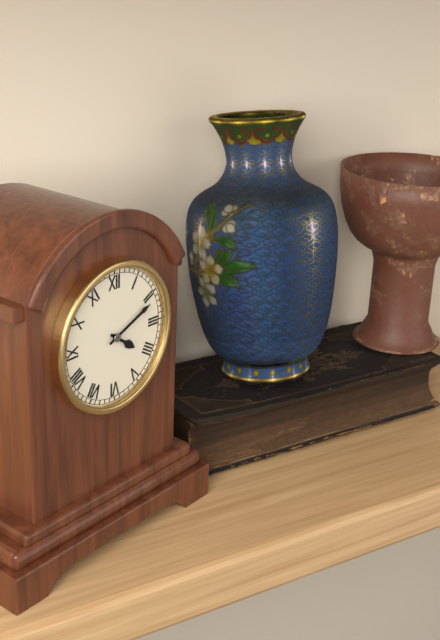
**4:11**
